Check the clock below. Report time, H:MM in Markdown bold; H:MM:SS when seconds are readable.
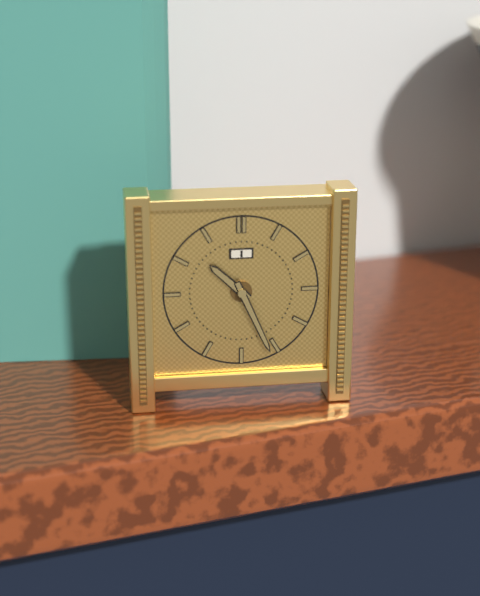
**10:26**
